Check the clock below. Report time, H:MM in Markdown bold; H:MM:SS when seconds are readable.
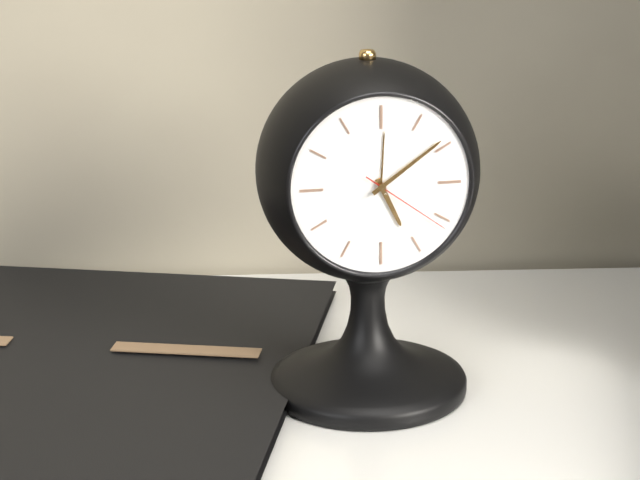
**5:09:21**
